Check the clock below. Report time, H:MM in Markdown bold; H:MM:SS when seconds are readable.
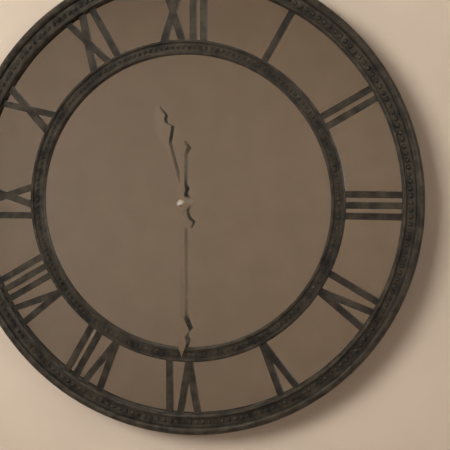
**11:30**
